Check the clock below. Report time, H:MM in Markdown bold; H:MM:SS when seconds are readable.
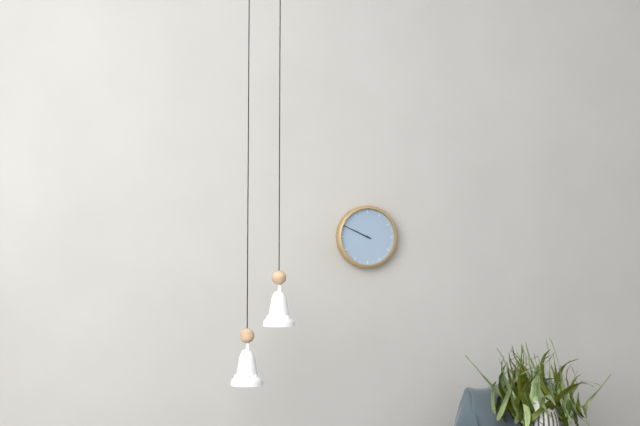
**9:49**
